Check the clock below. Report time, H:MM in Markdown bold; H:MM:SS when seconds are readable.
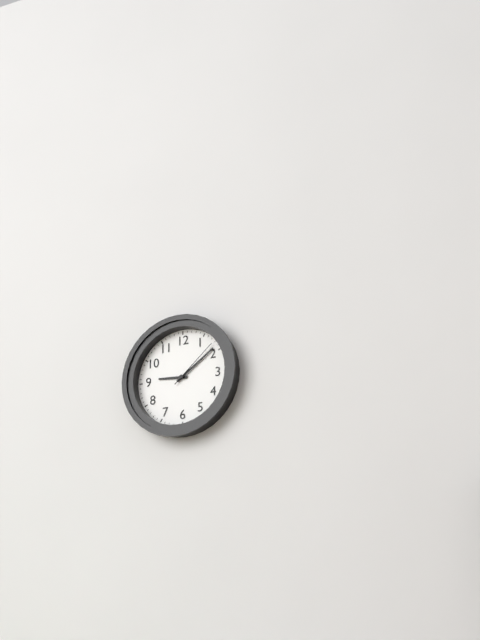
**9:09:08**
